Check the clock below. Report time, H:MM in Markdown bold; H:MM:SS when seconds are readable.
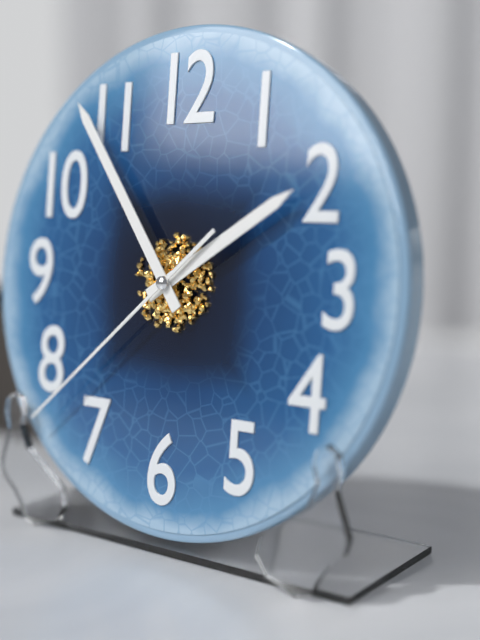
**1:54:38**
